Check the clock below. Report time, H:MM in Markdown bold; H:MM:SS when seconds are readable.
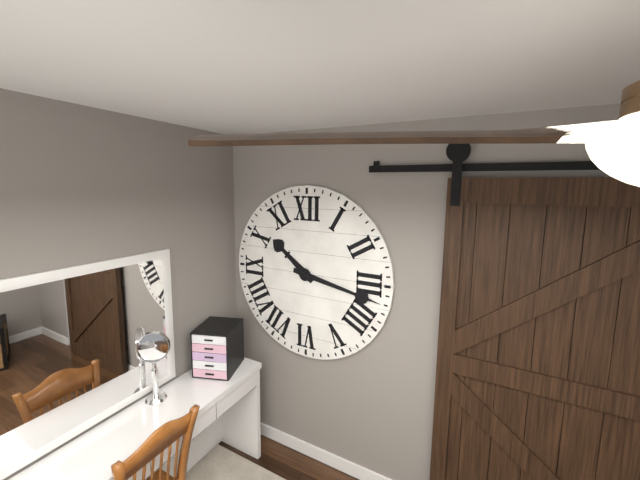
**10:17**
